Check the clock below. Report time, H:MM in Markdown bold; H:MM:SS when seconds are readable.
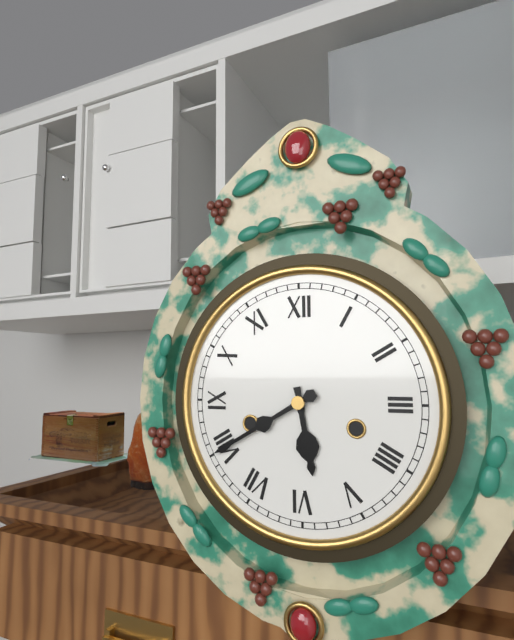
**5:40**
